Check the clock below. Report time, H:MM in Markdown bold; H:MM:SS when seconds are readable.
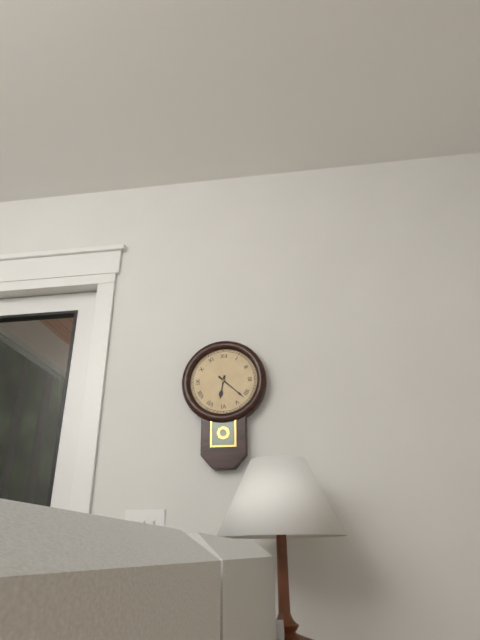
**6:22**
